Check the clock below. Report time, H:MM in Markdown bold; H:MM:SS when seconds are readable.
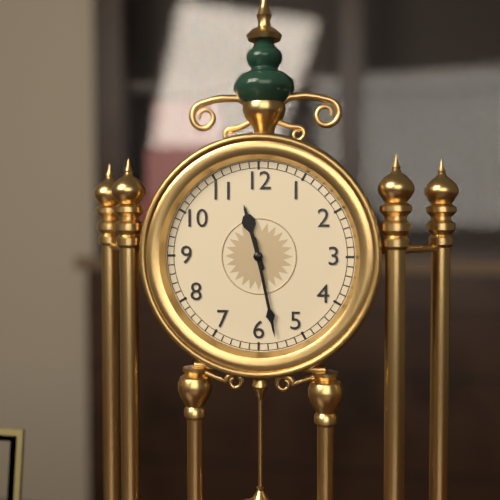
**11:28**
